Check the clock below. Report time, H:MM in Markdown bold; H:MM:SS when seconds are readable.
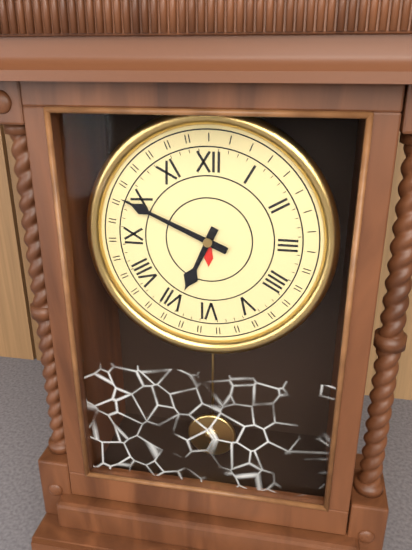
**6:49**
